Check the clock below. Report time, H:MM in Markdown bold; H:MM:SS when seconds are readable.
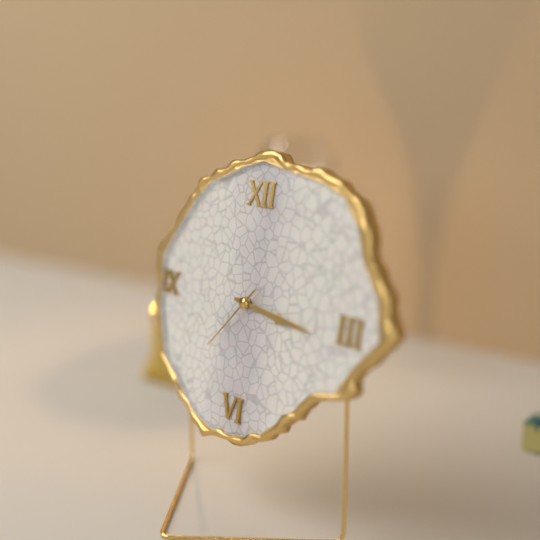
**3:16:37**
